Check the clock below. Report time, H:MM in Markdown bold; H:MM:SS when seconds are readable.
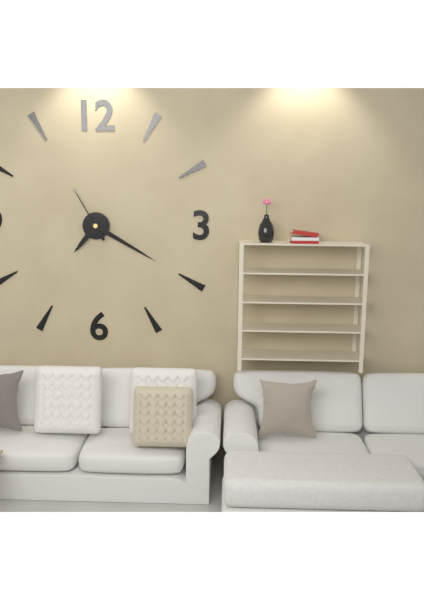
**7:20:55**
